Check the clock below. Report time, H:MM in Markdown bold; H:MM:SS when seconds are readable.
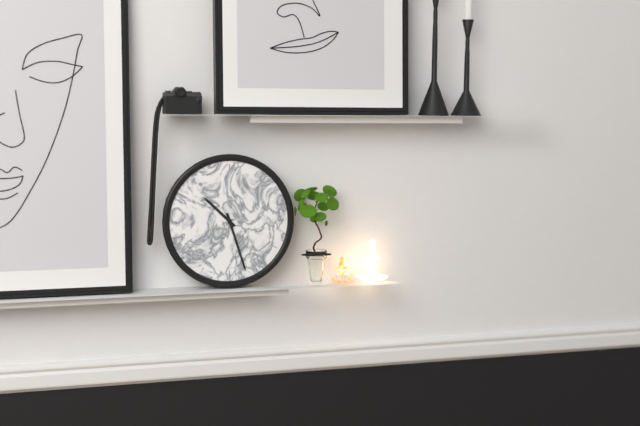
**10:27**
